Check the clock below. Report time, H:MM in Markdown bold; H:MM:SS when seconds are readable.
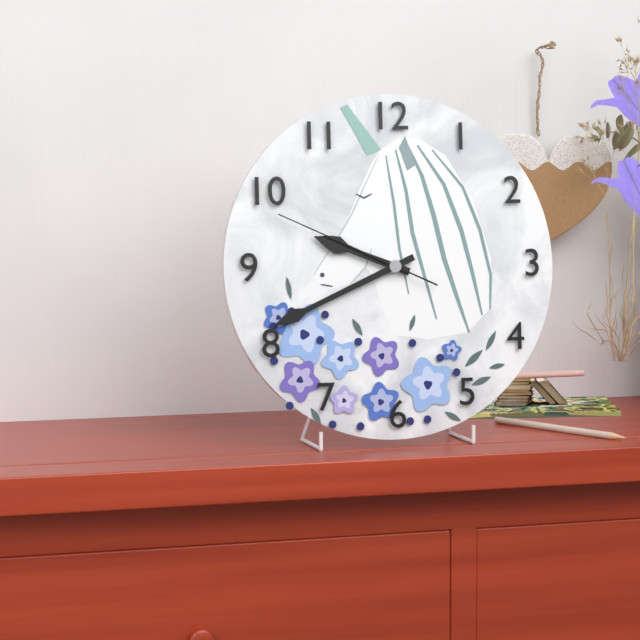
**9:41:49**
